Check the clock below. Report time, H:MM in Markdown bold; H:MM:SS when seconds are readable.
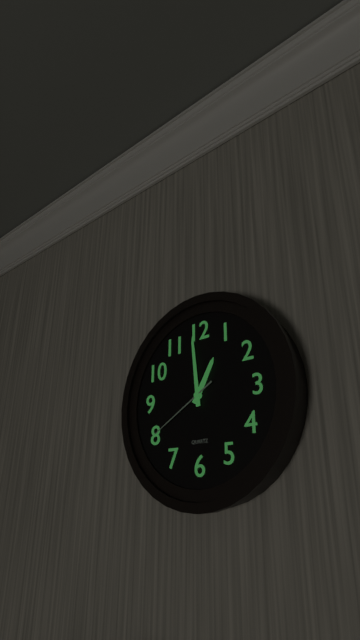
**12:59:40**
